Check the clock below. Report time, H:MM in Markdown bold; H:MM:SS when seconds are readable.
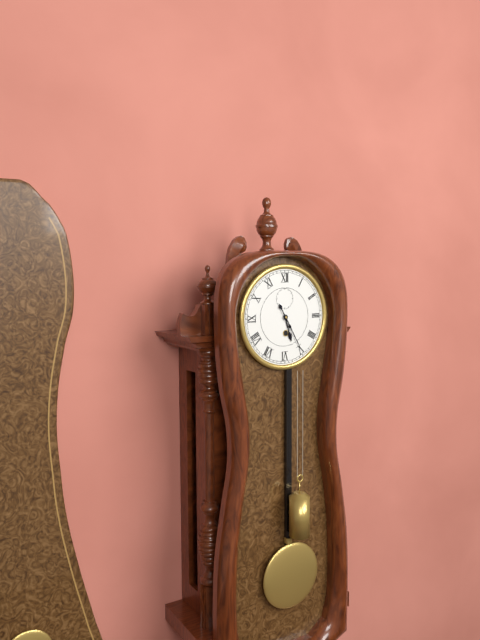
**5:25**
